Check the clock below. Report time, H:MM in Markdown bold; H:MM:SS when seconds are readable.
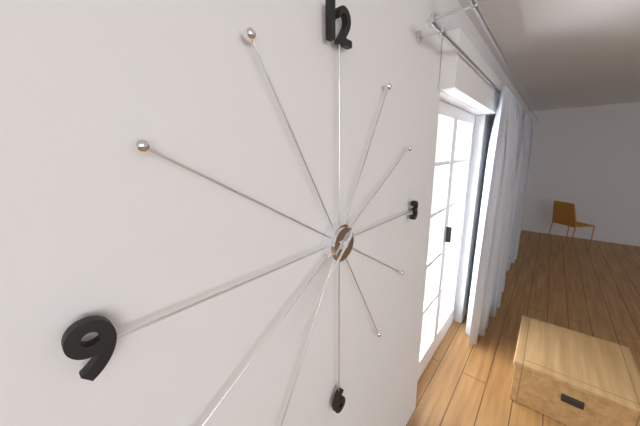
**1:38**
